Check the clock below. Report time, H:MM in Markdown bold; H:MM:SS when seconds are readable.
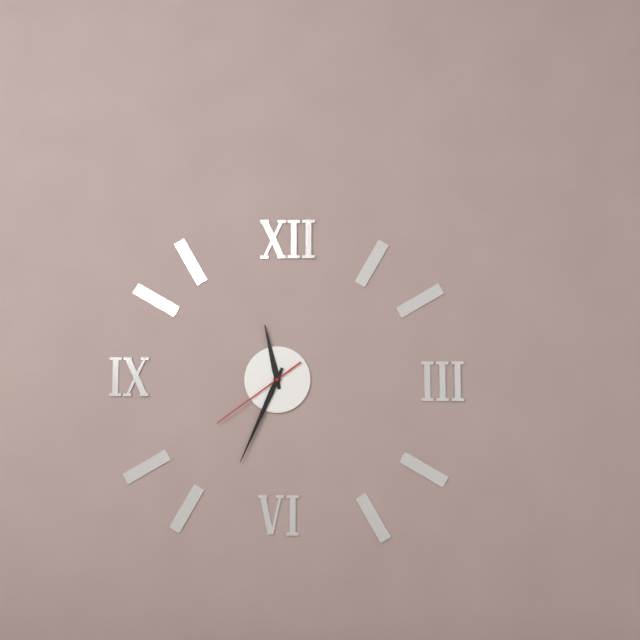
**11:34:39**
